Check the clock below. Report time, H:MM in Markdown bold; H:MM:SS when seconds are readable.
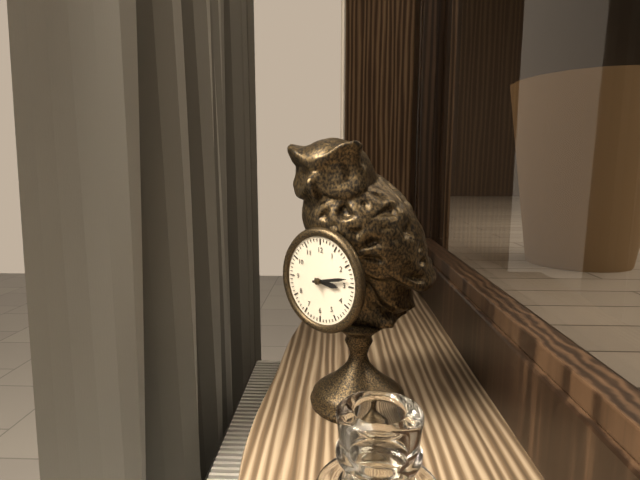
**3:13**
